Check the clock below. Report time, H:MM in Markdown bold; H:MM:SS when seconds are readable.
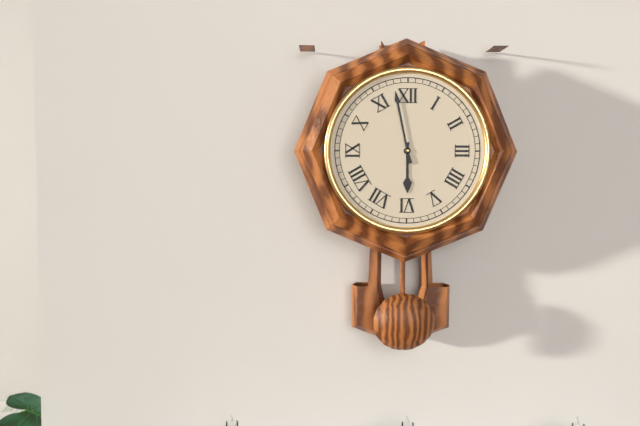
**5:58**
